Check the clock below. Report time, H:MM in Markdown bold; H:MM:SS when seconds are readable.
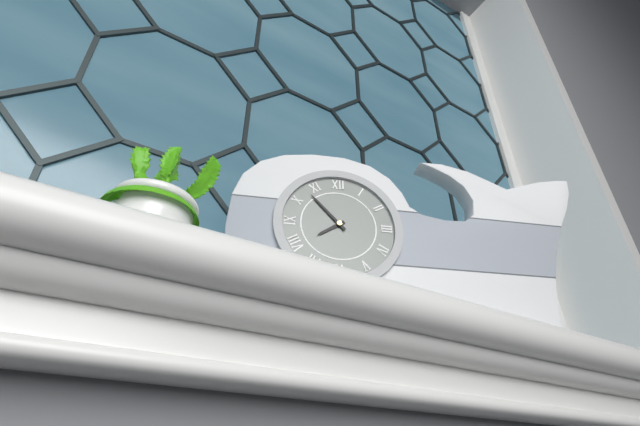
**7:53**
